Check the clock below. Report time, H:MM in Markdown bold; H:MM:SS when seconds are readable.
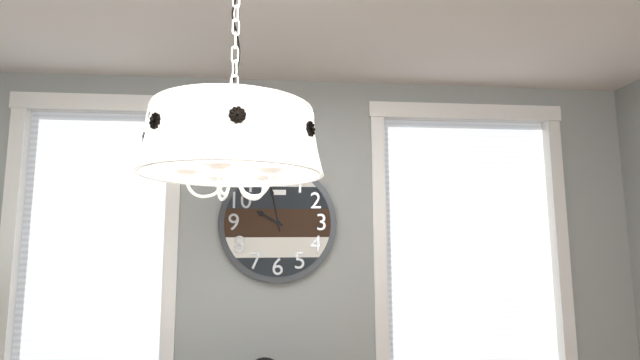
**9:58**
